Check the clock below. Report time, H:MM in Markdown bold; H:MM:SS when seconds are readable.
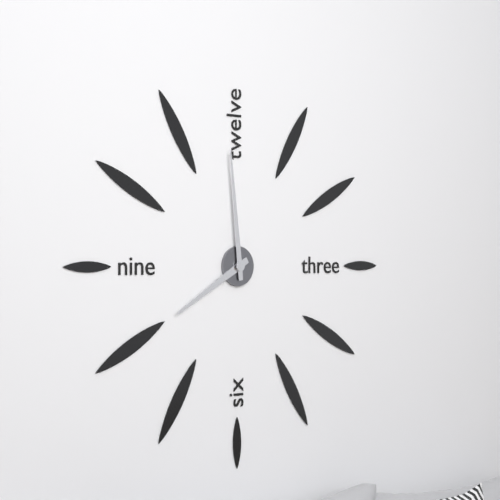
**7:59**
